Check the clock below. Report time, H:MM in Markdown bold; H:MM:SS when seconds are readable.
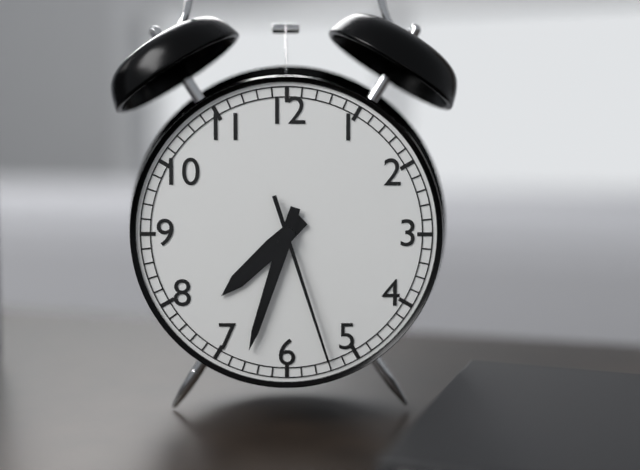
**7:33:27**
